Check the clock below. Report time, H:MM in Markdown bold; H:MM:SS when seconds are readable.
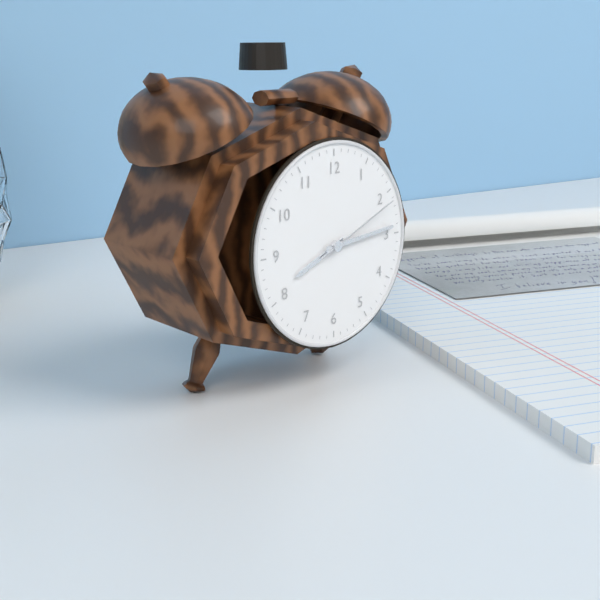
**8:14:11**
